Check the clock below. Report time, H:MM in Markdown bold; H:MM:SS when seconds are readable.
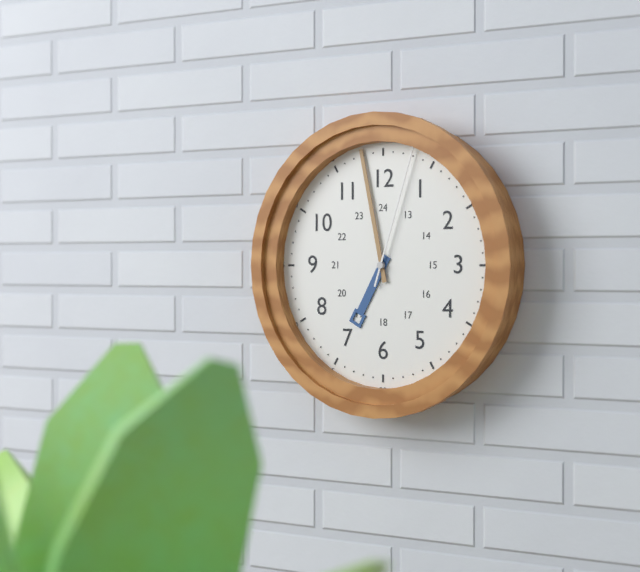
**6:58:03**
